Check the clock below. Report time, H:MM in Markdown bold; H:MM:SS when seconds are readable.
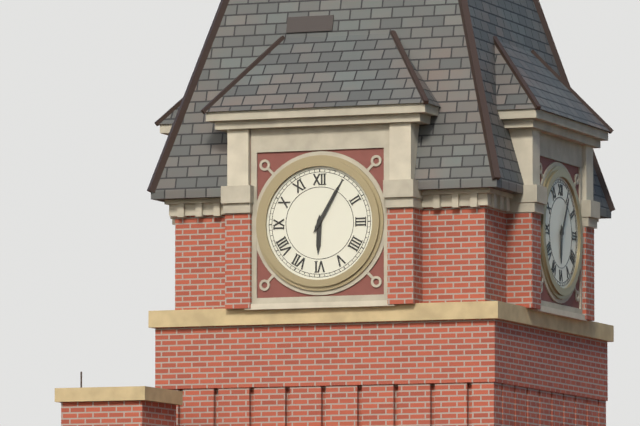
**6:05**
